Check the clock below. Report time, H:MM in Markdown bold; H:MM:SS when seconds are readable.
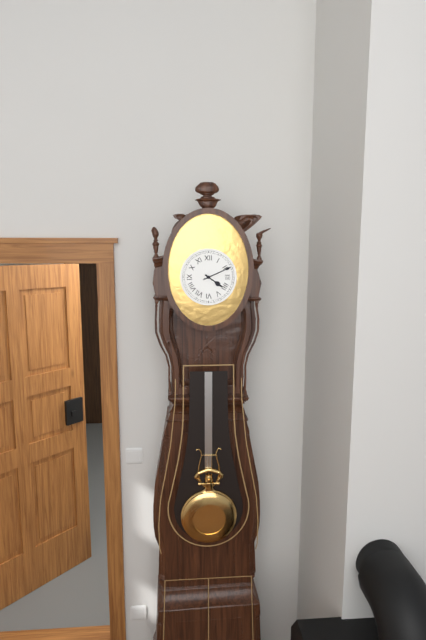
**4:11**
